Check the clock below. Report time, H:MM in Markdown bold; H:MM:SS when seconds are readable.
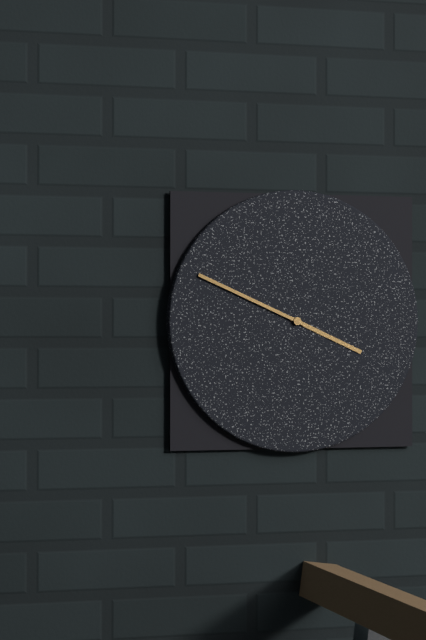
**3:49**
